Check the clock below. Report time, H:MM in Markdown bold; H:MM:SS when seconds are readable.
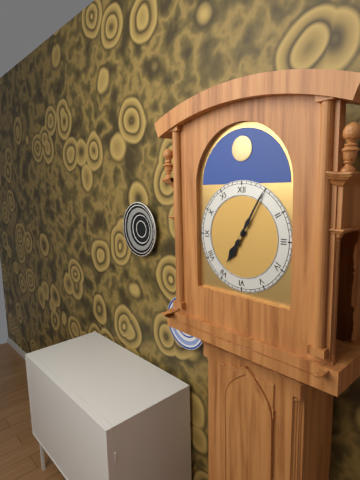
**7:05**
